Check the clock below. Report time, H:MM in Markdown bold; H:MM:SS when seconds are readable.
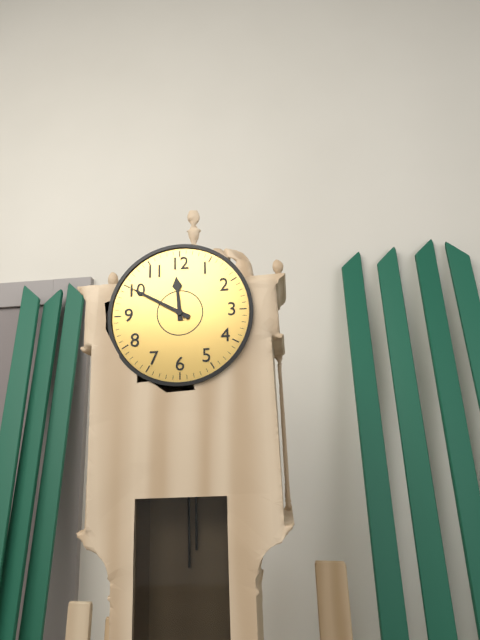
**11:50**
